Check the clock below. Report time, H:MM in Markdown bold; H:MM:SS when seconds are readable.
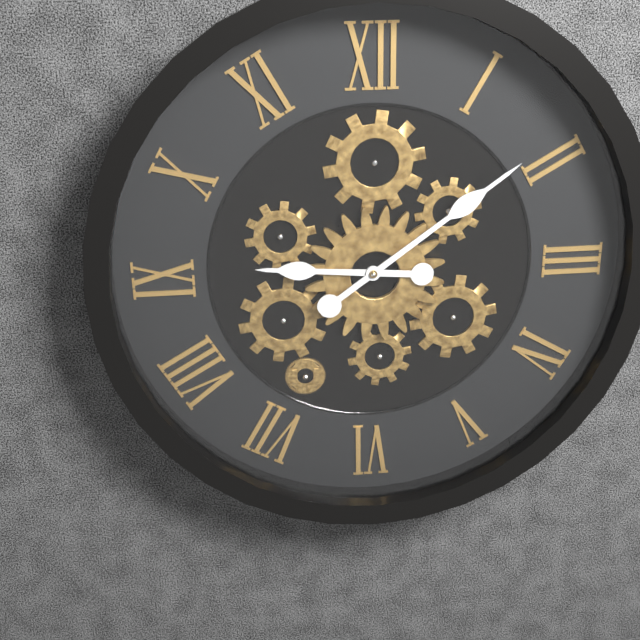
**9:09**
